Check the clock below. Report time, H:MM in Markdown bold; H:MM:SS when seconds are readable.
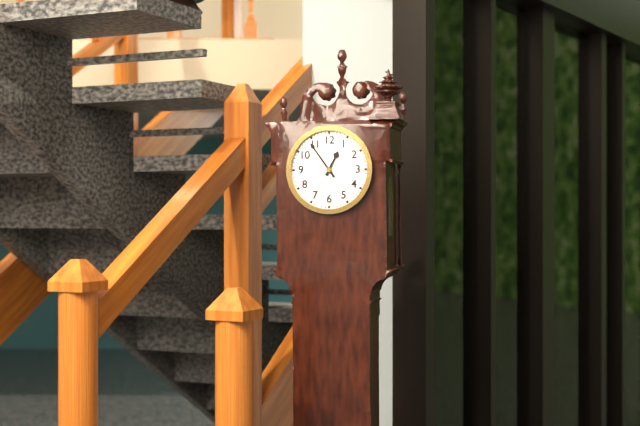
**12:54**
